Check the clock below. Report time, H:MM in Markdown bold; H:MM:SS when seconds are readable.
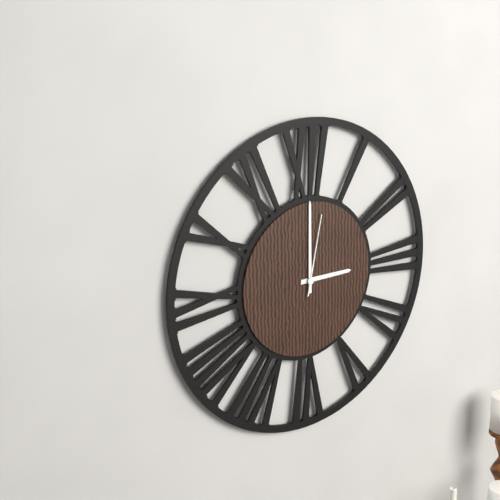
**3:00:02**
